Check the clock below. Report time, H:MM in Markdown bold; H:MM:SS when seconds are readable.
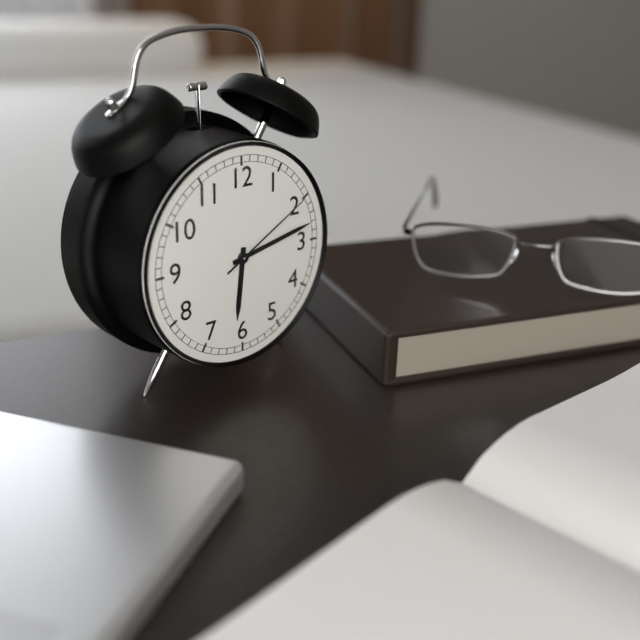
**6:13:10**
